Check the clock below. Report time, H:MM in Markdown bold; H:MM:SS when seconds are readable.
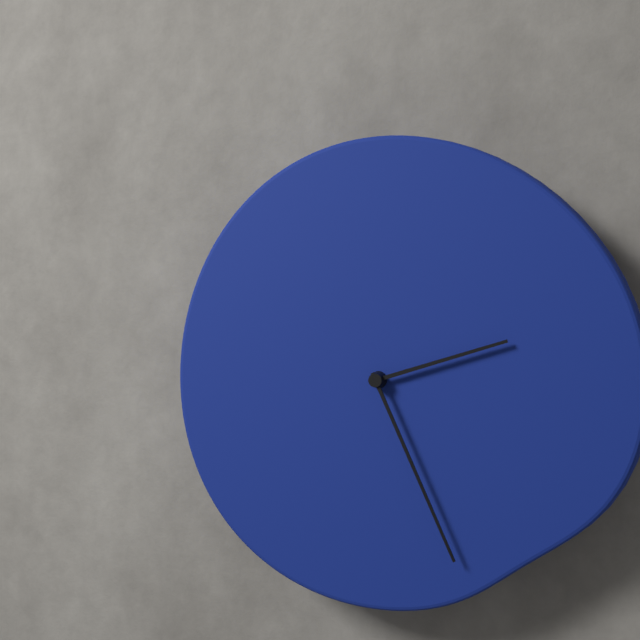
**2:26**
